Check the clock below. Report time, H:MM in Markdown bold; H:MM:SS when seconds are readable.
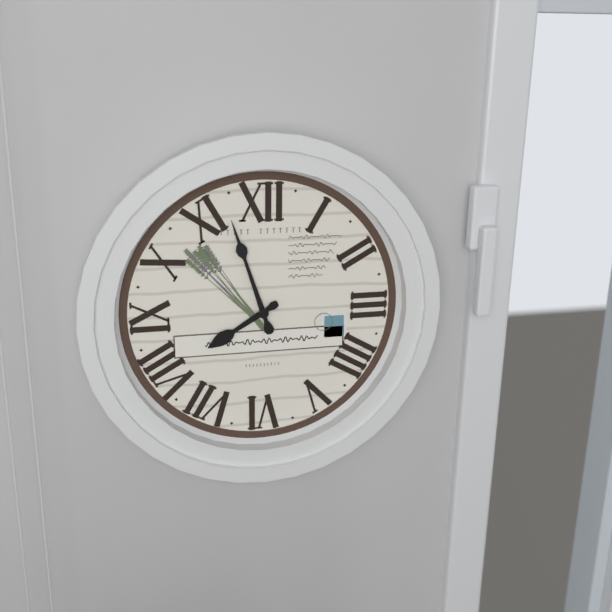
**7:57**
